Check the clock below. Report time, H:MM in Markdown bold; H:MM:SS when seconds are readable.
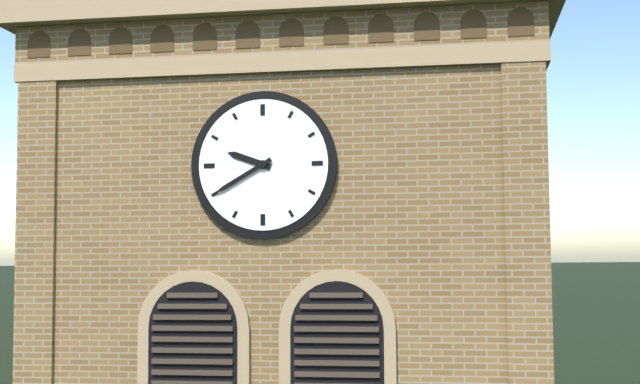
**9:40**
